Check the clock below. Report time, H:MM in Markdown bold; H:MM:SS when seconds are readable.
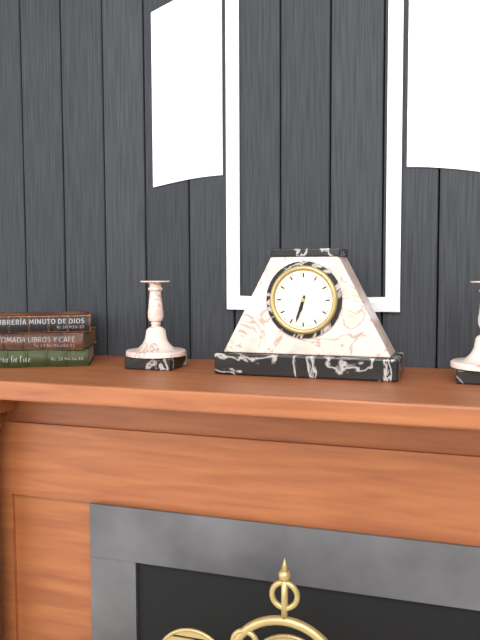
**6:33**
